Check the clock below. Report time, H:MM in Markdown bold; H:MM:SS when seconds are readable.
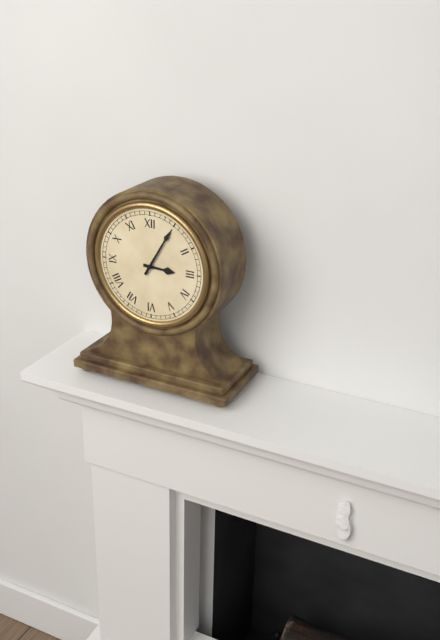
**3:05**
